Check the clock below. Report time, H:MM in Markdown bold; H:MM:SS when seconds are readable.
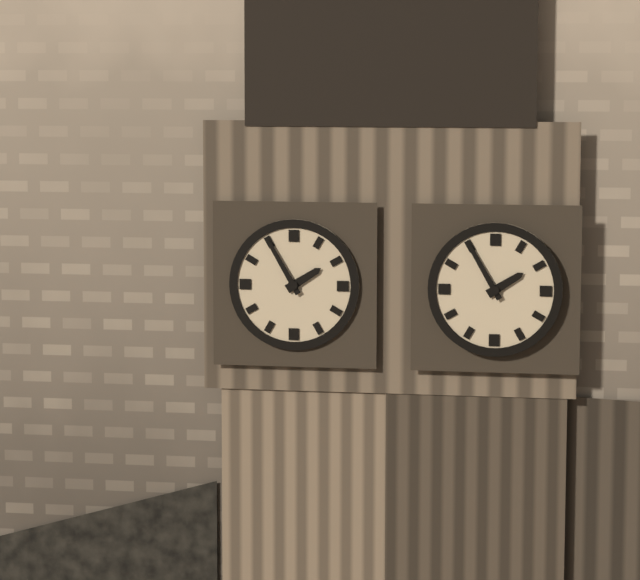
**1:55**
